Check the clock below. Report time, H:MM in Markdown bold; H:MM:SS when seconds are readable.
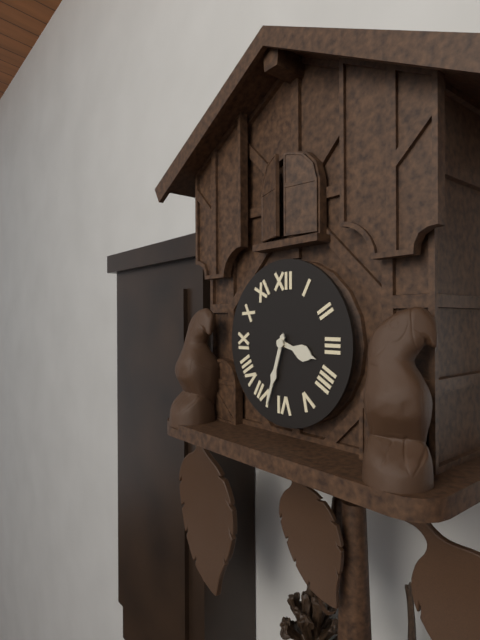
**3:33**
